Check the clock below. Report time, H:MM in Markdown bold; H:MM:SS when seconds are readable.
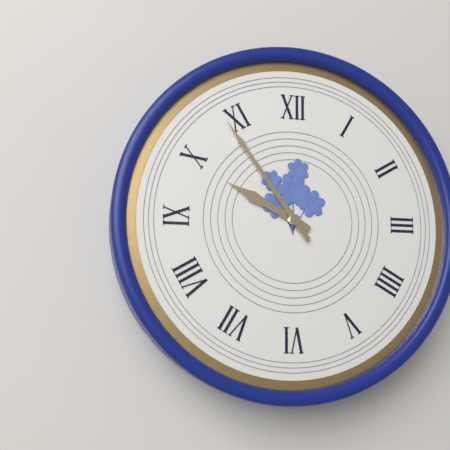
**9:54**
